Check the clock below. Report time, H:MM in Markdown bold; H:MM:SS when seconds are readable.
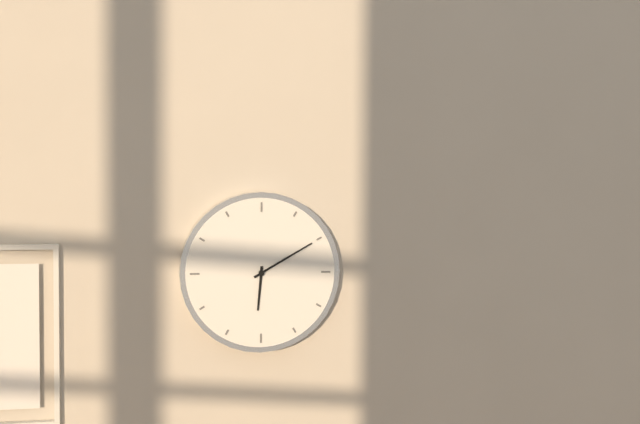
**6:10**
